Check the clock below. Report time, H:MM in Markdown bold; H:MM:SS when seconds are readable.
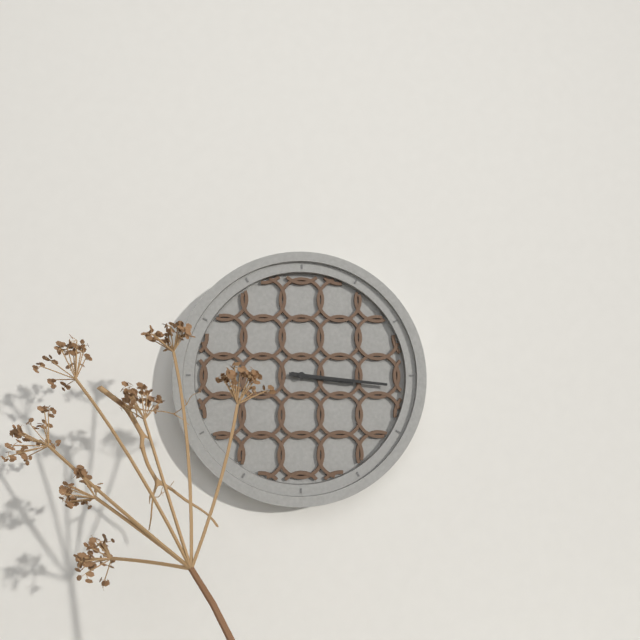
**3:16**
